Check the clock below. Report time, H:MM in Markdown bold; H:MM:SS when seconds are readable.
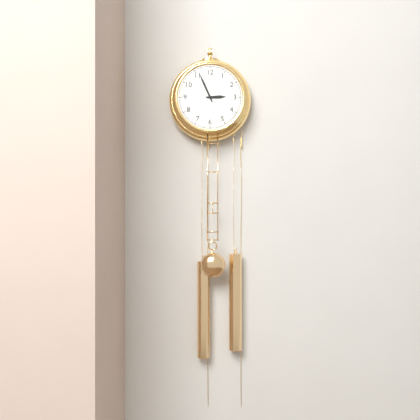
**2:56**
